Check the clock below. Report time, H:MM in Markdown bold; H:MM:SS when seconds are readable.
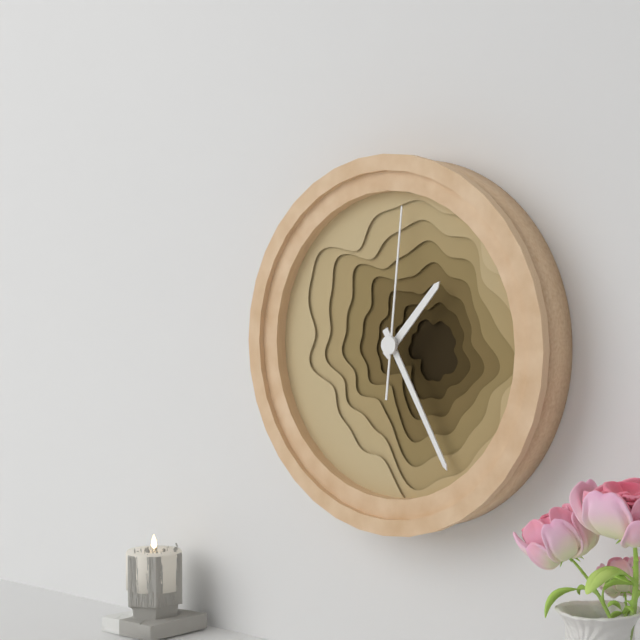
**1:25:01**
